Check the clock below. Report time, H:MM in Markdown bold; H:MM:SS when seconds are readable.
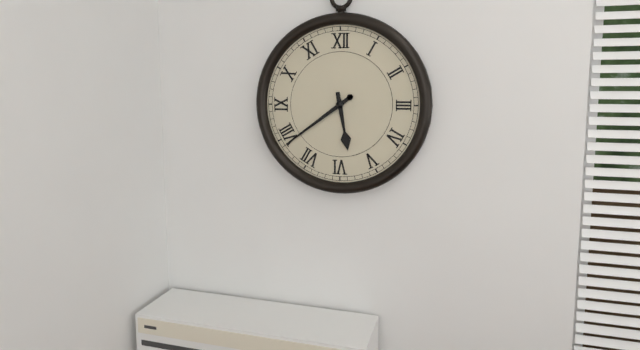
**5:39**
